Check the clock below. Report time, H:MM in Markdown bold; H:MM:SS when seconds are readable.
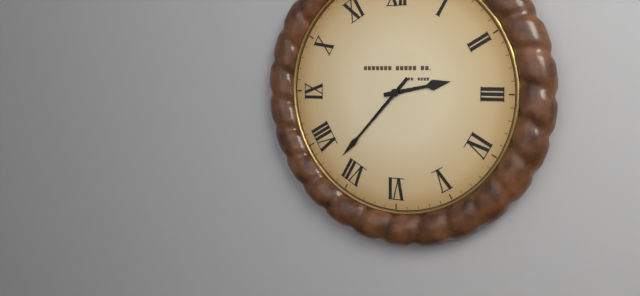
**2:37**
